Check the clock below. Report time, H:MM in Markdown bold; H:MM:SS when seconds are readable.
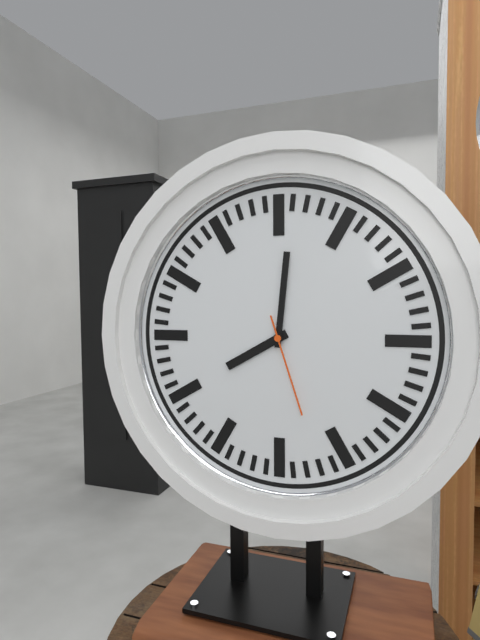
**8:01:27**
